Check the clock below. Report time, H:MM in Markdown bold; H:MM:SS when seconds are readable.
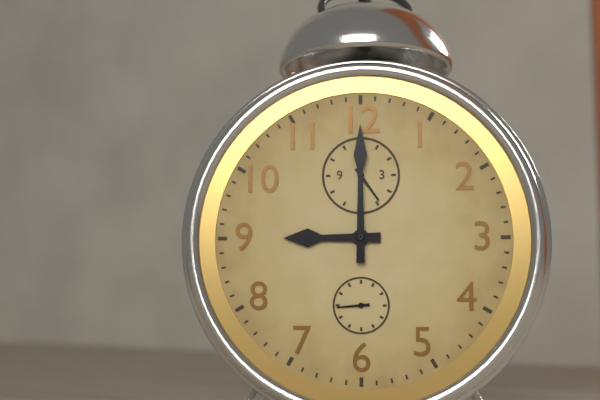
**9:00**
